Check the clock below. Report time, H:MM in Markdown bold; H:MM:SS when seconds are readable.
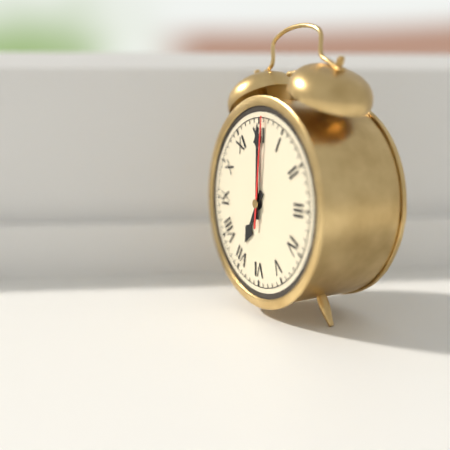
**7:00:01**
